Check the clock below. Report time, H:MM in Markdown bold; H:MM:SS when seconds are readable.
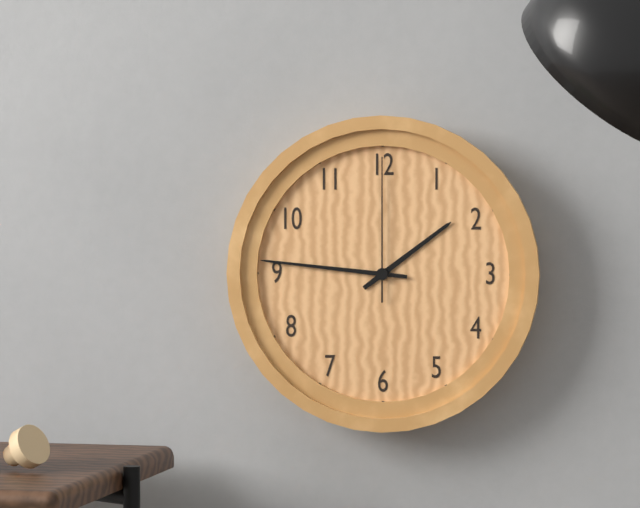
**1:46:00**
